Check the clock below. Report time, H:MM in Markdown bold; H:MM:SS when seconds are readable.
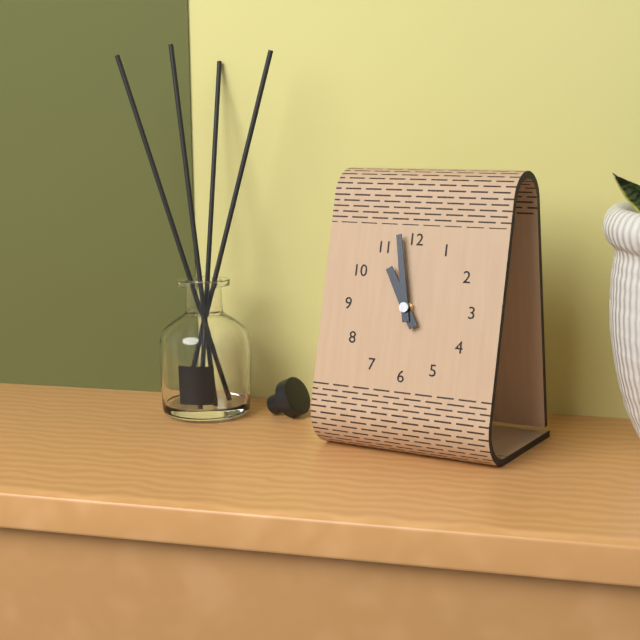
**10:58**
